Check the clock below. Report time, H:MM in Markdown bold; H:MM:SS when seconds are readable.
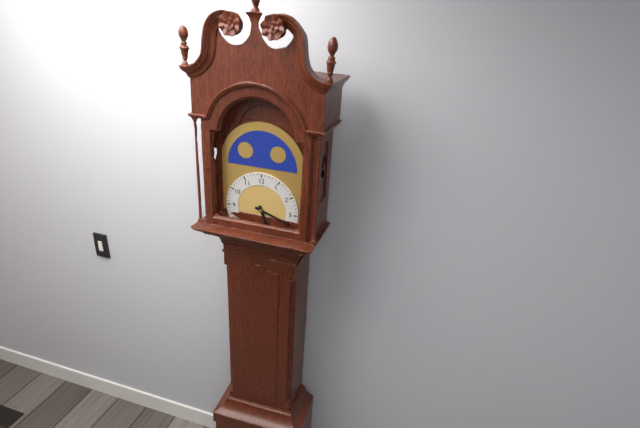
**5:18**
